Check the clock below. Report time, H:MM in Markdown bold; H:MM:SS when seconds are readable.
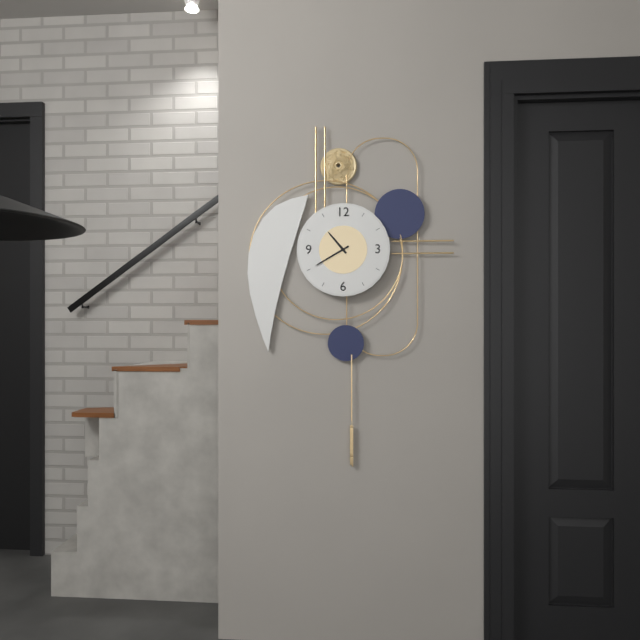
**10:40**
